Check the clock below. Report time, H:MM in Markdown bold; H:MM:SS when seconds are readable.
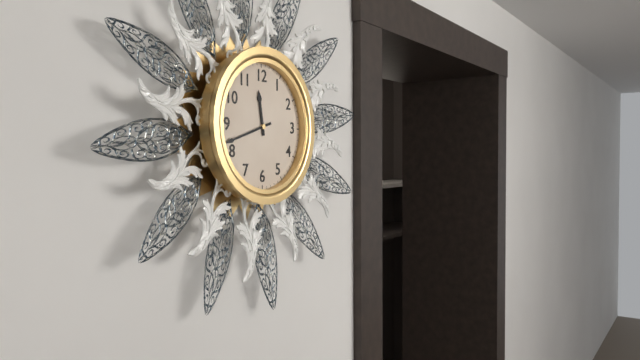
**11:42**
